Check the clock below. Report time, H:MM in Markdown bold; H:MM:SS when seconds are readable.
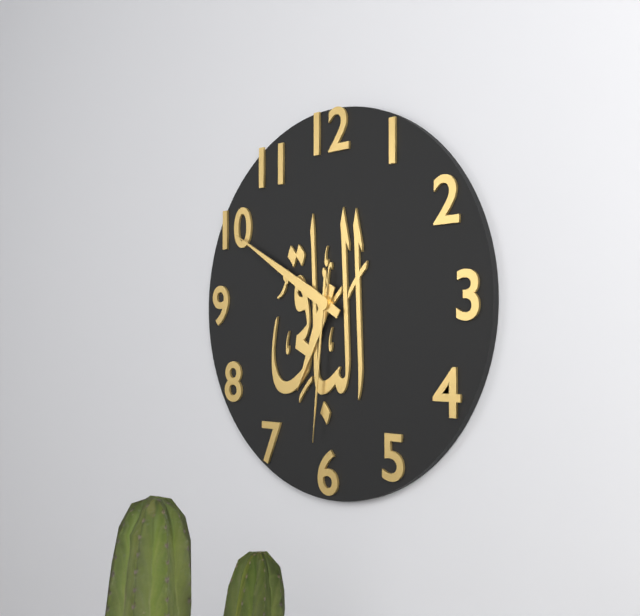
**6:50:31**
